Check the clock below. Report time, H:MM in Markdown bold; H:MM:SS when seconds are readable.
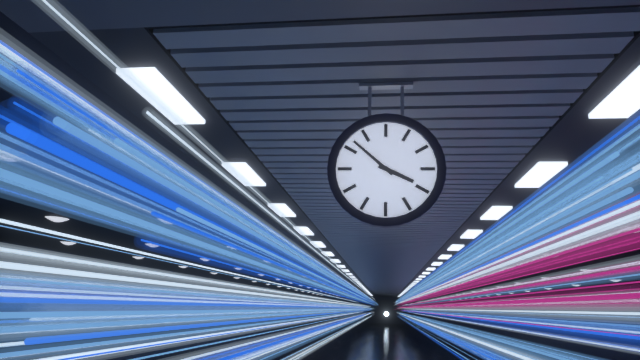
**3:52**
